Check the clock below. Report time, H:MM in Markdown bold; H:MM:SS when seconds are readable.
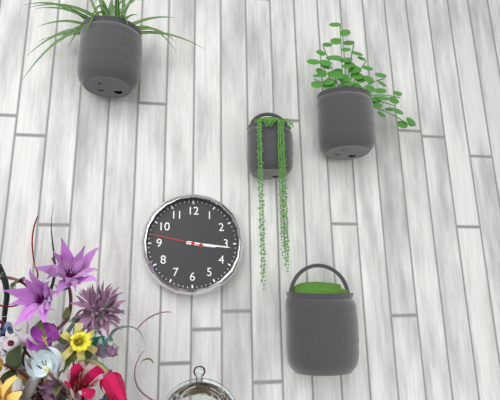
**3:16:47**
